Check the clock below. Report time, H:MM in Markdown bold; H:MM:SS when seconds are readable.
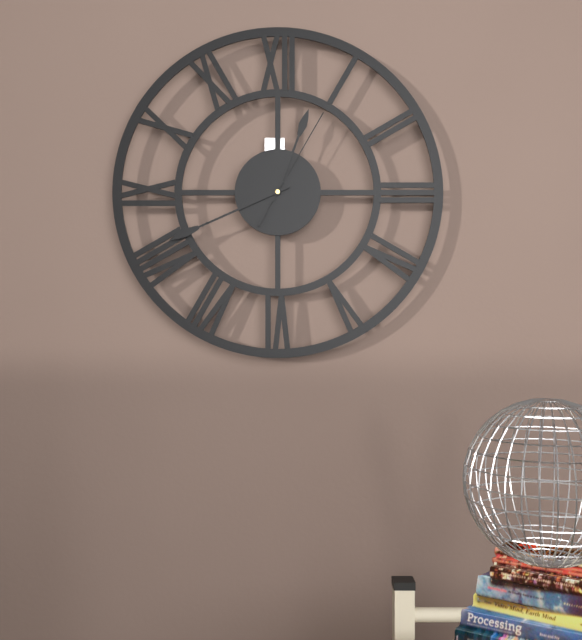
**12:41:05**
